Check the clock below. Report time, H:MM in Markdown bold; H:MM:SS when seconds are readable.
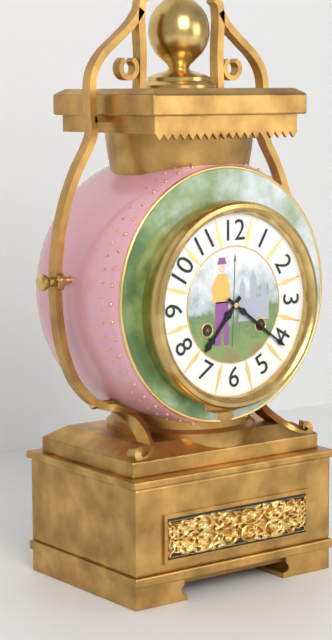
**7:21**
